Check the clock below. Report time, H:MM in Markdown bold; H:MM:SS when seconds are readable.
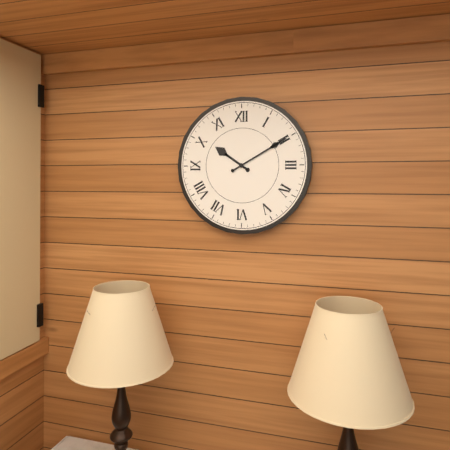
**10:10**
